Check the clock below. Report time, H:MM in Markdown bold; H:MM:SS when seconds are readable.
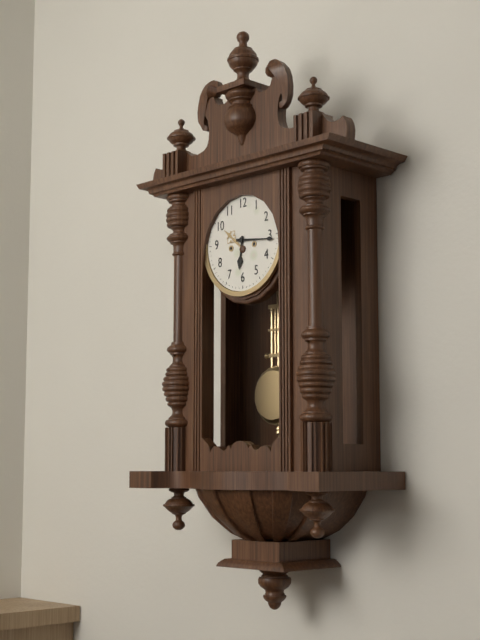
**6:16**
